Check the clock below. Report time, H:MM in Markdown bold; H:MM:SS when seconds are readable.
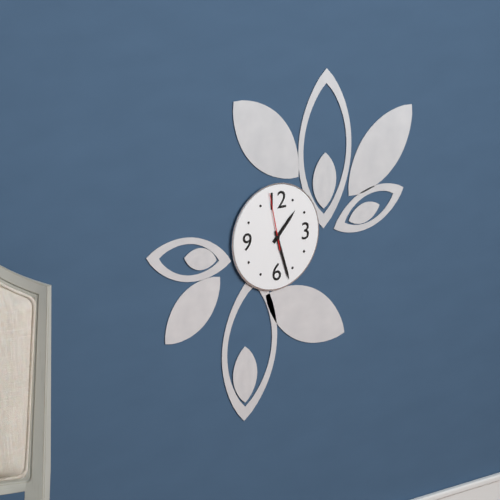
**1:27:58**
